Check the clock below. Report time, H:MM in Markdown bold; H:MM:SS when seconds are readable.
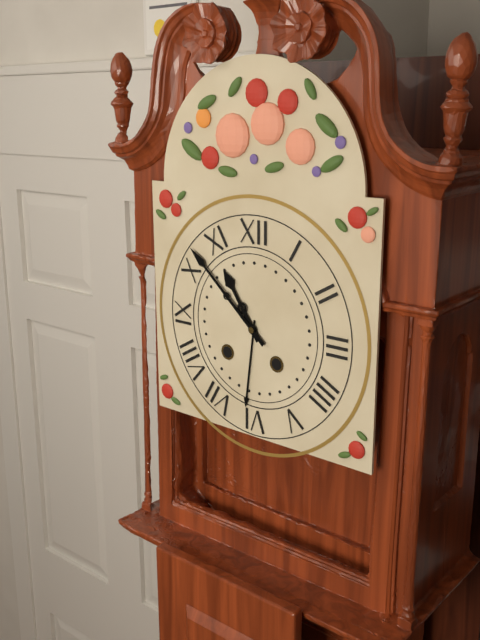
**10:52**
